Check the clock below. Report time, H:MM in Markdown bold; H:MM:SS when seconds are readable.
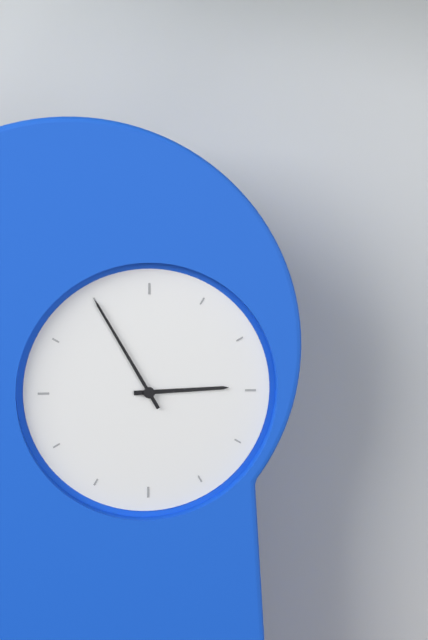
**2:55**
